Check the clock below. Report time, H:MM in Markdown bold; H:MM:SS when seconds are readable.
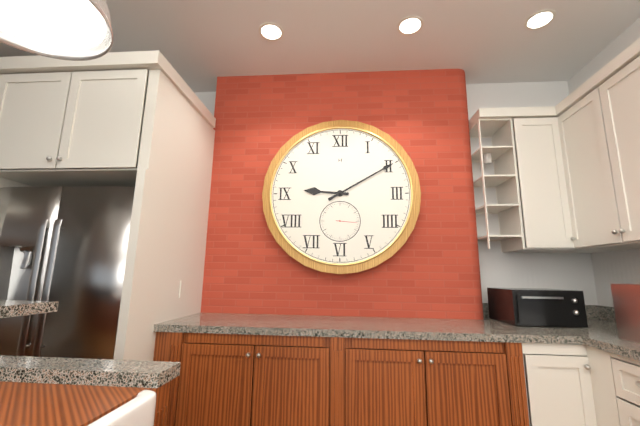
**9:10**
